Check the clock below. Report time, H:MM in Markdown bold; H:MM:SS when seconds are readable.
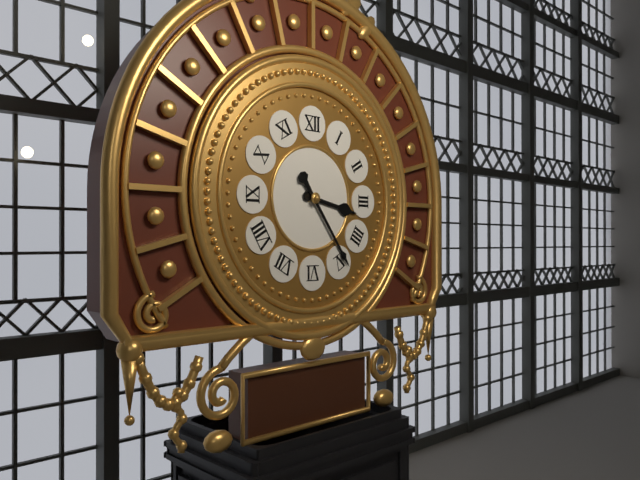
**3:24**
